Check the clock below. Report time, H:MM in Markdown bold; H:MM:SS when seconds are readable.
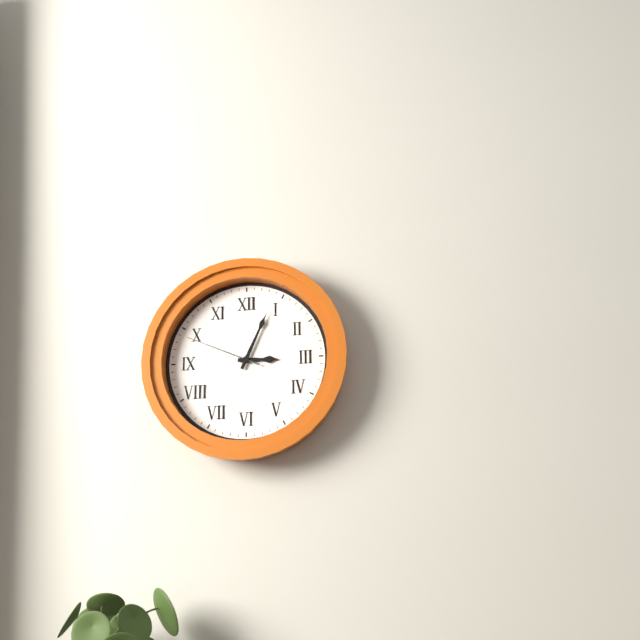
**3:04:49**
